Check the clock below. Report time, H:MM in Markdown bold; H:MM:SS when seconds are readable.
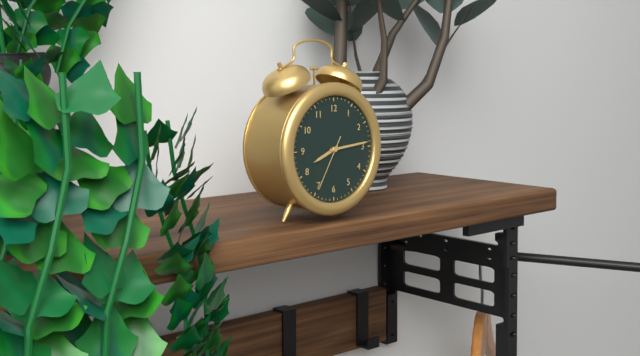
**8:14:35**
